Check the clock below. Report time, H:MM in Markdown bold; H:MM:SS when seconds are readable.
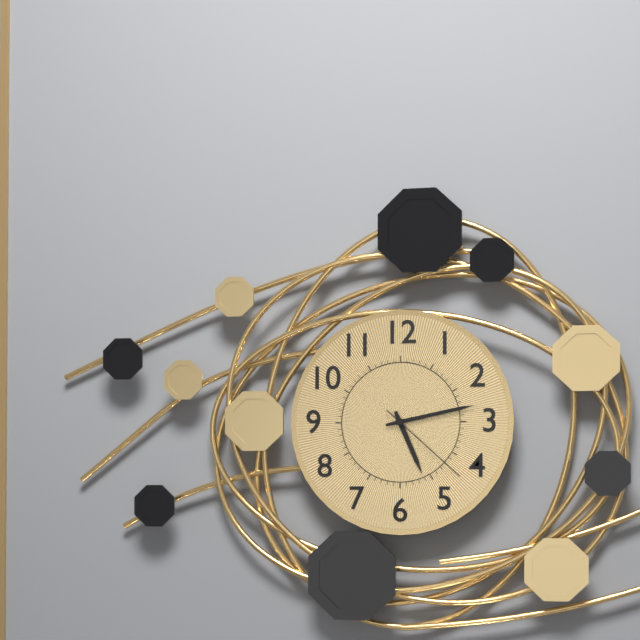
**5:13:22**
